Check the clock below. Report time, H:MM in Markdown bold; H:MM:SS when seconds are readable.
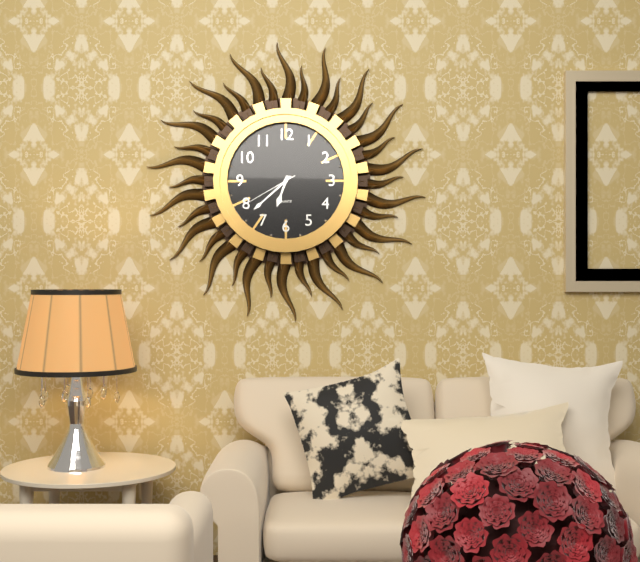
**6:38:40**
